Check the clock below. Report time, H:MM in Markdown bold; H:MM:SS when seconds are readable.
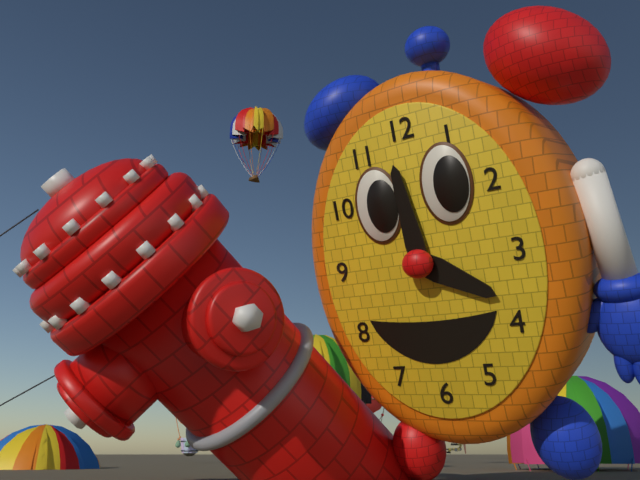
**3:59**
